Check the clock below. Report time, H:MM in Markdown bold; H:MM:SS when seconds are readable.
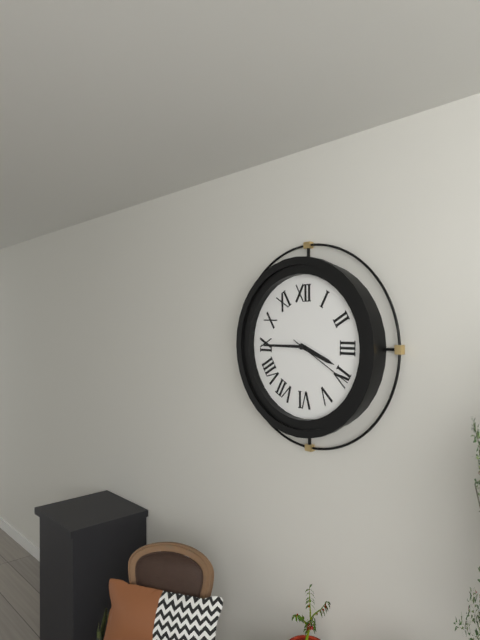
**3:45:20**
